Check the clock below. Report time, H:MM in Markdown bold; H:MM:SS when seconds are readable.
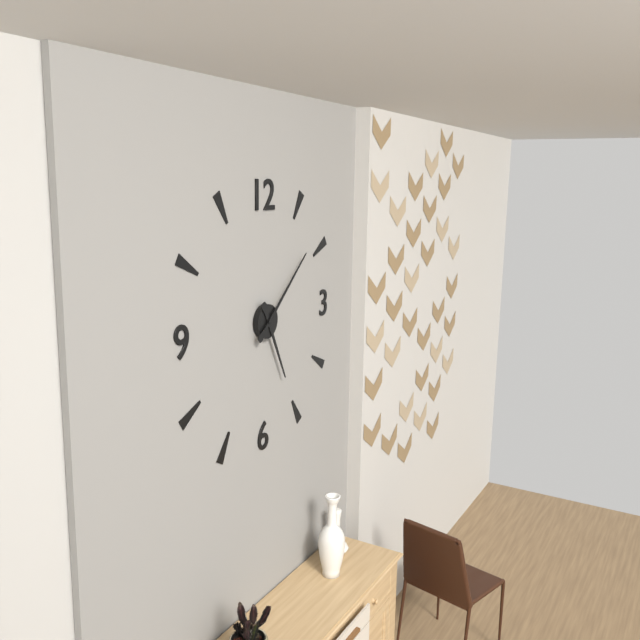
**5:08**
